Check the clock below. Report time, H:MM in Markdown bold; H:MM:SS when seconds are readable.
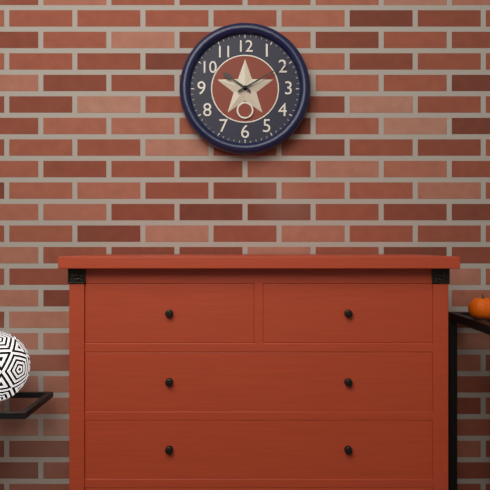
**10:10**
